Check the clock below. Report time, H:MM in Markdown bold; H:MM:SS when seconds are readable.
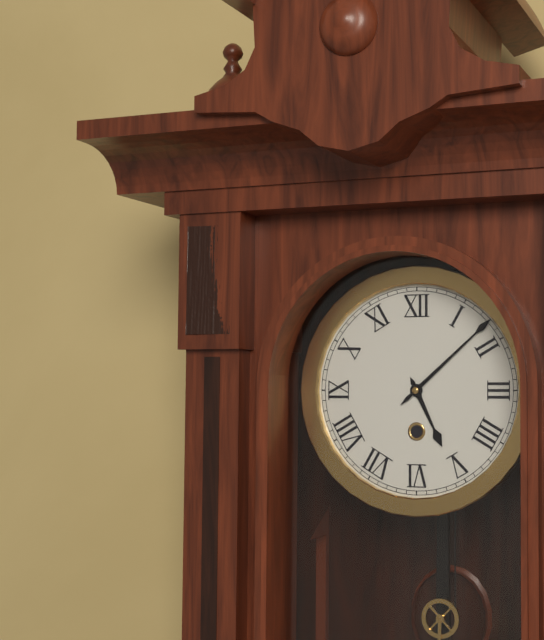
**5:08**
